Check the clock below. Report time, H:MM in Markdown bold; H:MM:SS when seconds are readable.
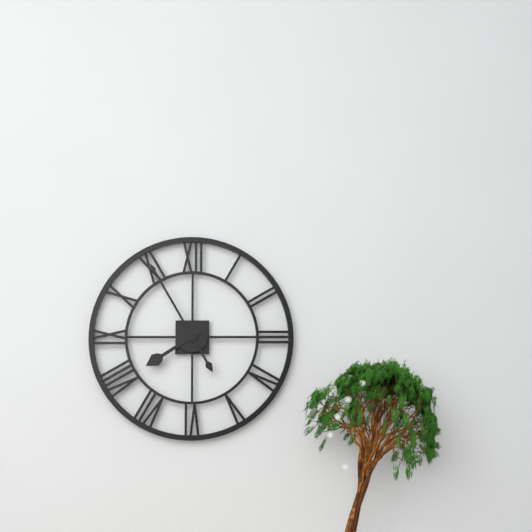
**7:55**
